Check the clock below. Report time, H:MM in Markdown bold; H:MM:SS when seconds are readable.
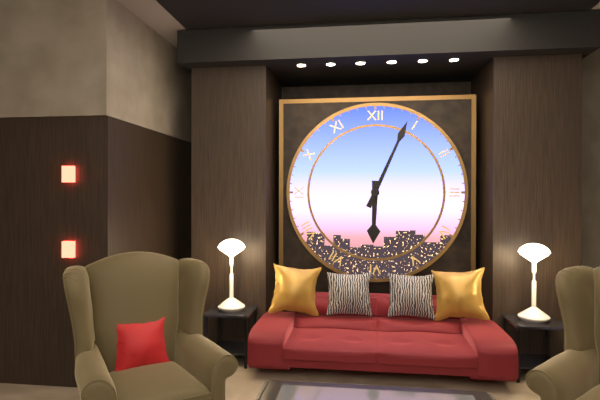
**6:04**
